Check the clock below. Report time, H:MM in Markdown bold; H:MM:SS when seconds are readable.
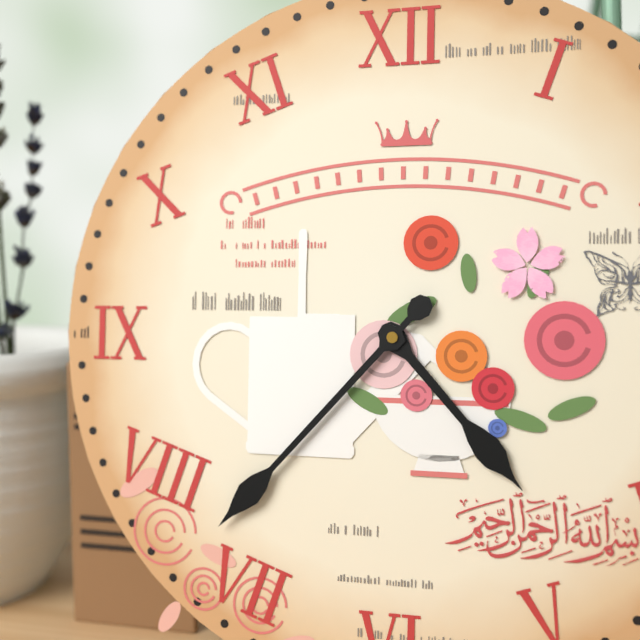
**4:37**
